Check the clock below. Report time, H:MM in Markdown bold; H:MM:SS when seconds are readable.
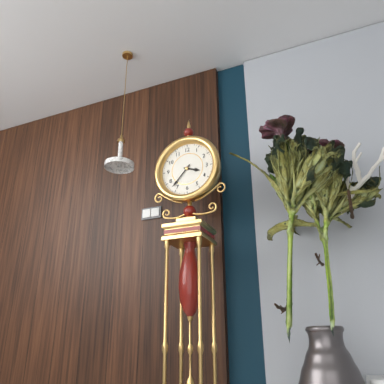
**3:37**
